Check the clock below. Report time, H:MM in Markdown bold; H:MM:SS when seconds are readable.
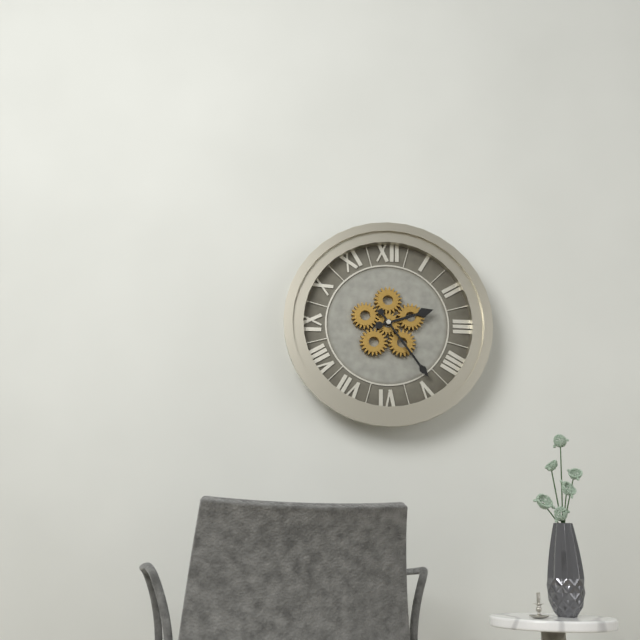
**2:24**
